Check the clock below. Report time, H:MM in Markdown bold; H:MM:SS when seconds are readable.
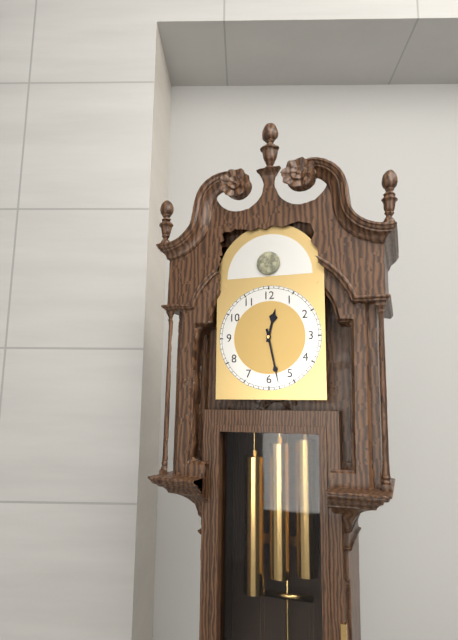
**12:28**
